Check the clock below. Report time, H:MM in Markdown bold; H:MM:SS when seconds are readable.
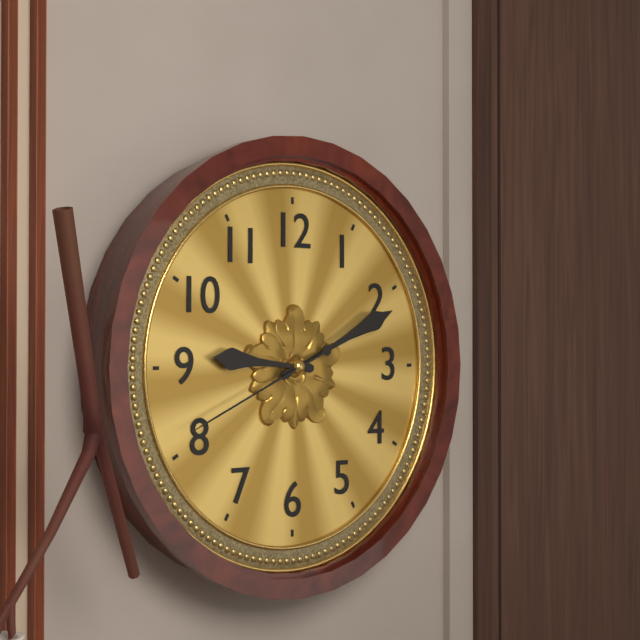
**9:11:41**
